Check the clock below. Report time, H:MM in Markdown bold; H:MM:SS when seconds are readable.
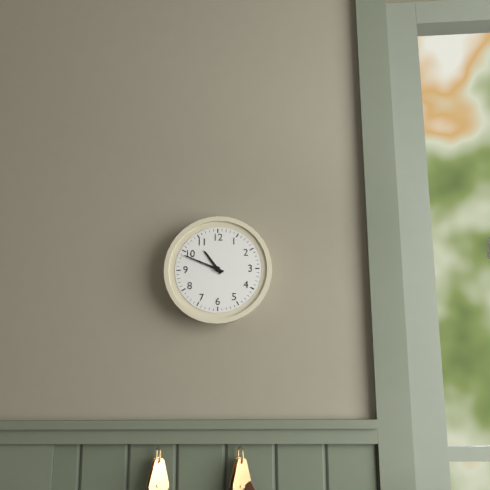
**10:49**
